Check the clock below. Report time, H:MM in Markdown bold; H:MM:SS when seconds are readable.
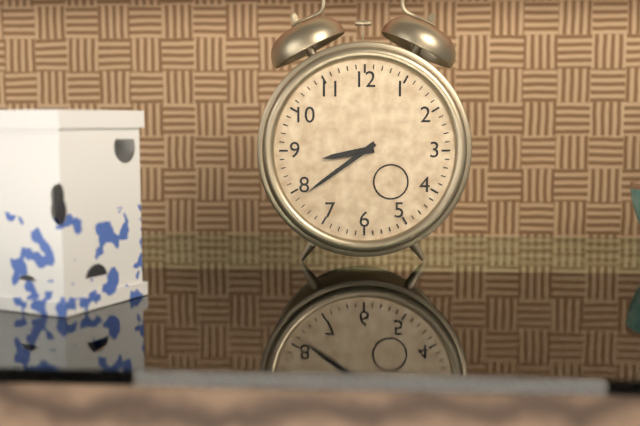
**8:39**
